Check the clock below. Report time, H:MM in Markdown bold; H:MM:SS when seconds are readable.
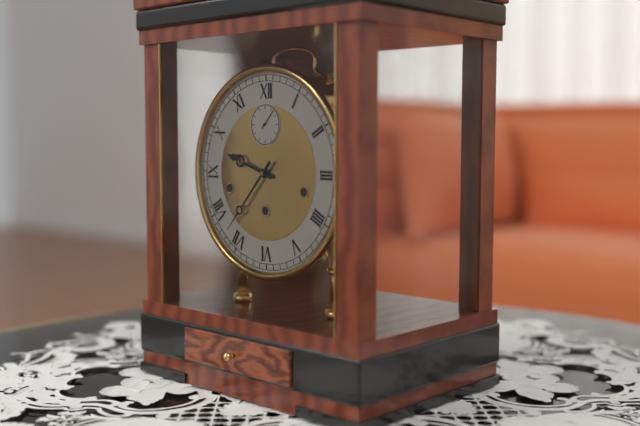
**9:37**
